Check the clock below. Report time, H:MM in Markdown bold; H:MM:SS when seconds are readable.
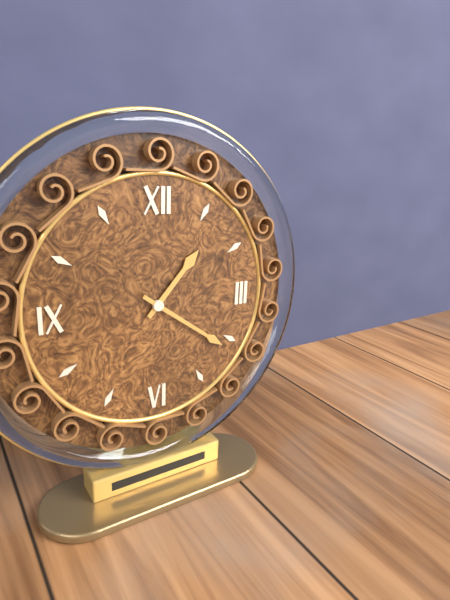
**1:21**
